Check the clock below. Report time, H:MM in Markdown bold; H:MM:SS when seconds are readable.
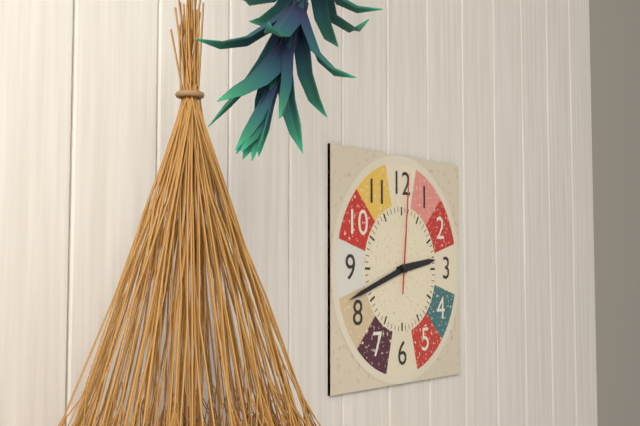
**2:42:01**
